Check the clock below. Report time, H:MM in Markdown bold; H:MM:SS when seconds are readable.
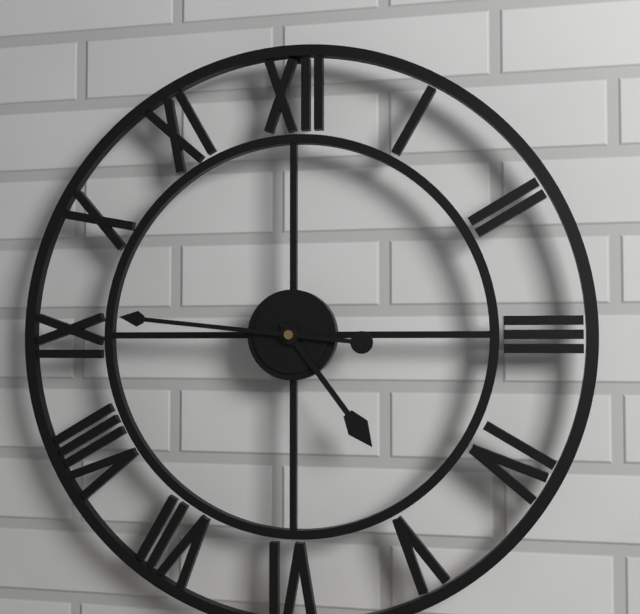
**4:46**
